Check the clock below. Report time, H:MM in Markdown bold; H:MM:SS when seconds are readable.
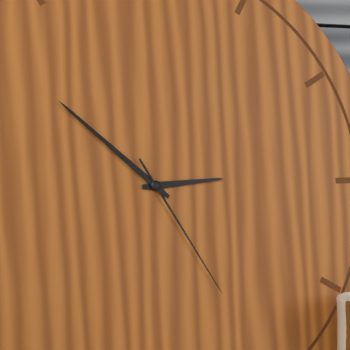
**2:52:25**
